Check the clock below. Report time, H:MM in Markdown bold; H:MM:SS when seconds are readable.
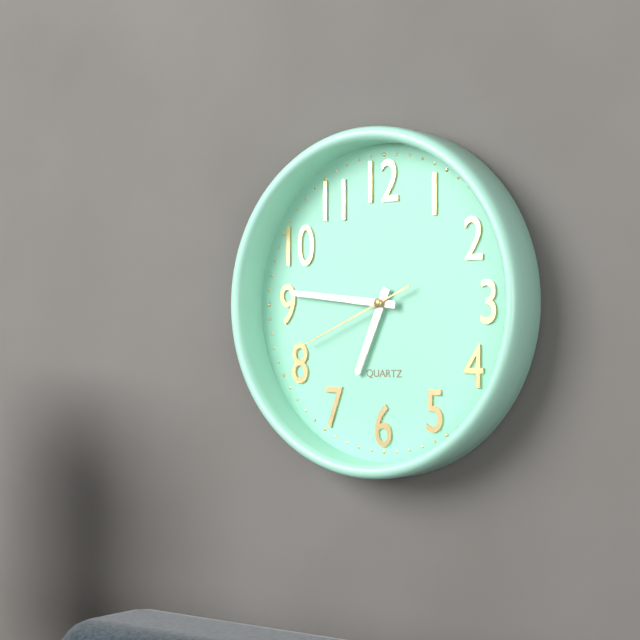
**6:46:41**
